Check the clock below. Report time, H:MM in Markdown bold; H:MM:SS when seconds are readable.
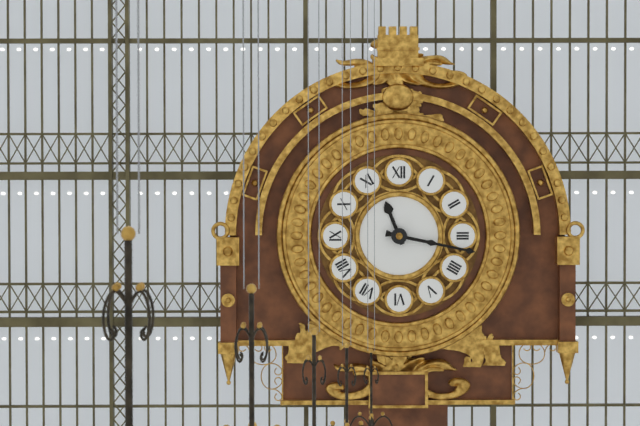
**11:17**
